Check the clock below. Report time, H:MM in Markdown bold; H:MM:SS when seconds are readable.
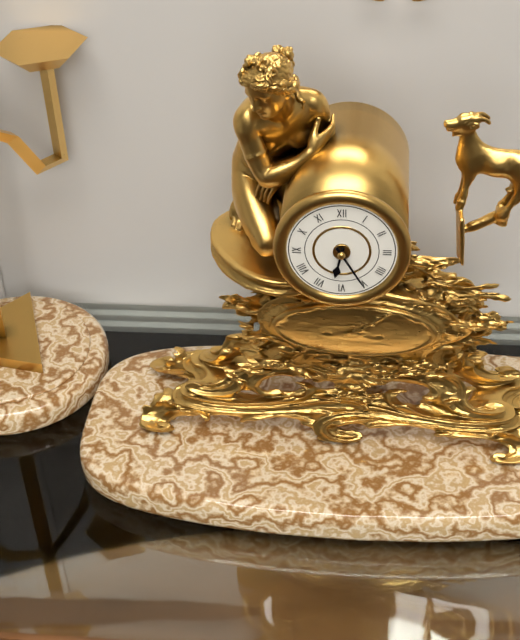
**6:25**
